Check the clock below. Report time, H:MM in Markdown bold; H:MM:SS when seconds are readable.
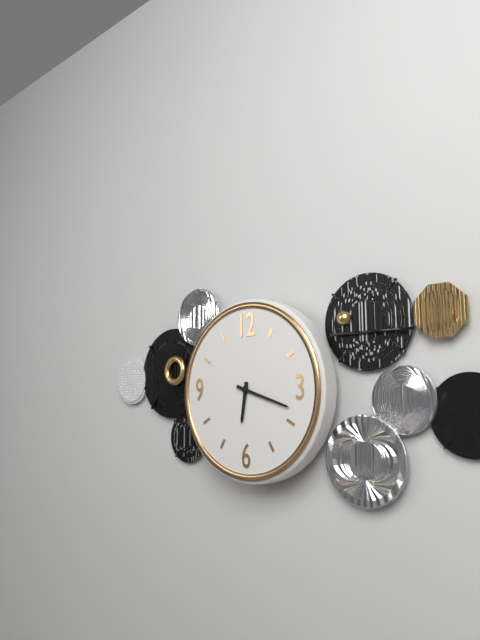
**6:18**
